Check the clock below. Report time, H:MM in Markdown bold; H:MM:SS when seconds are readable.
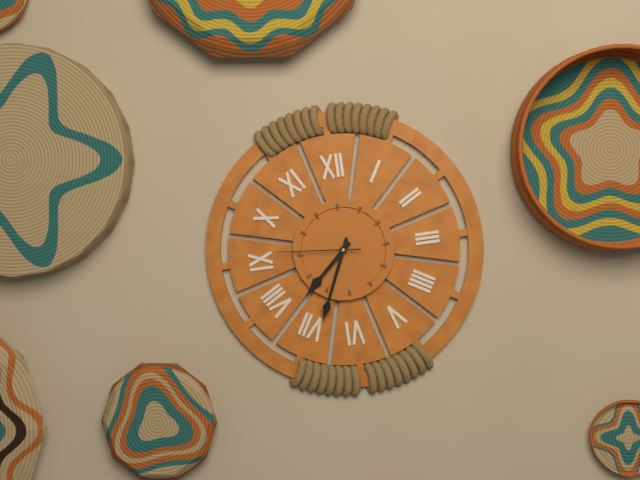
**7:34:46**
